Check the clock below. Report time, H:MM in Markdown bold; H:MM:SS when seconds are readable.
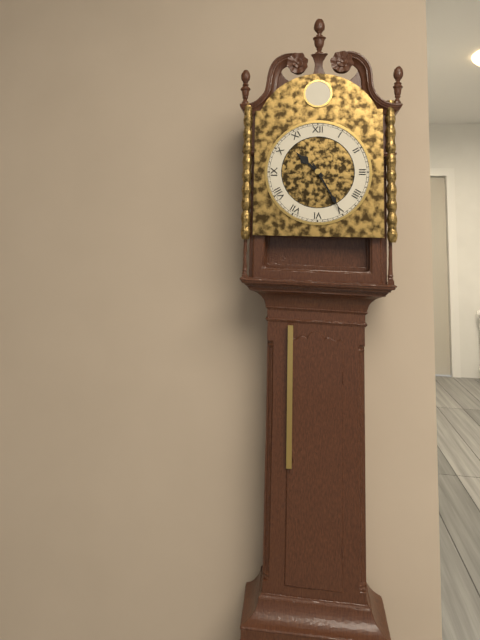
**10:25**
